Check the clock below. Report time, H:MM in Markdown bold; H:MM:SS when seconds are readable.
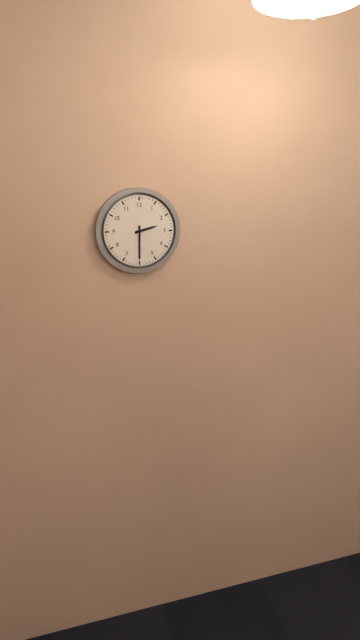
**2:30**
